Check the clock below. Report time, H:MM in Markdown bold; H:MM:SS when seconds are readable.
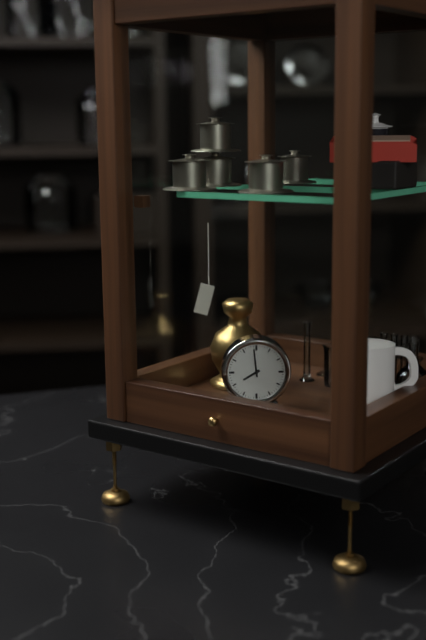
**7:59**
